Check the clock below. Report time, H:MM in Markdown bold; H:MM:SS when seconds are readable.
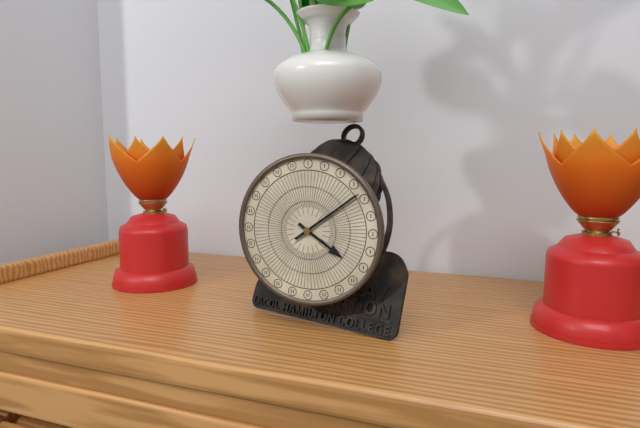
**4:09**
